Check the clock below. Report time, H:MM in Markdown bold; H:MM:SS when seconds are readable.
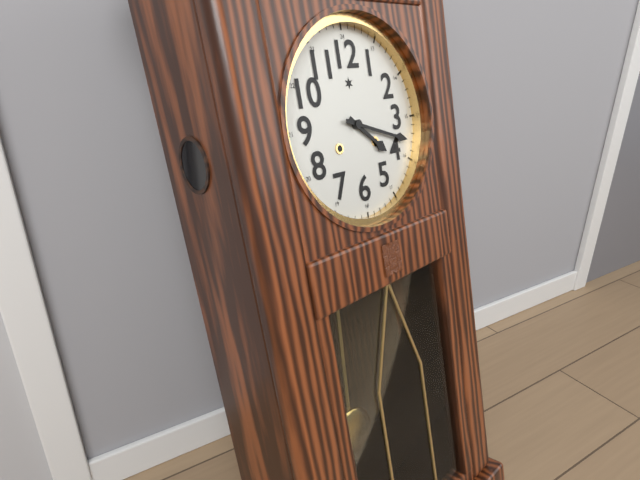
**4:18**
